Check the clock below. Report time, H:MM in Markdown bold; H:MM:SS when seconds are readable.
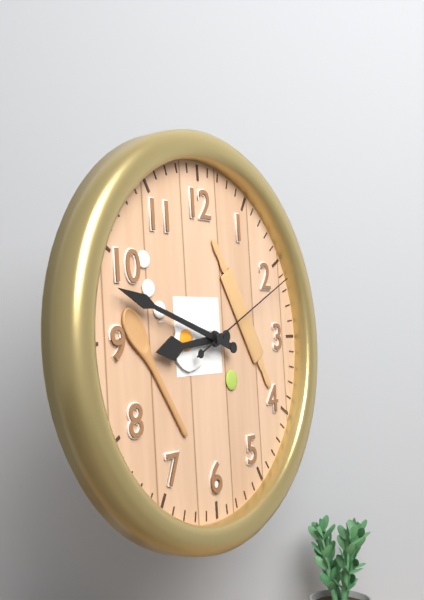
**8:48:11**
